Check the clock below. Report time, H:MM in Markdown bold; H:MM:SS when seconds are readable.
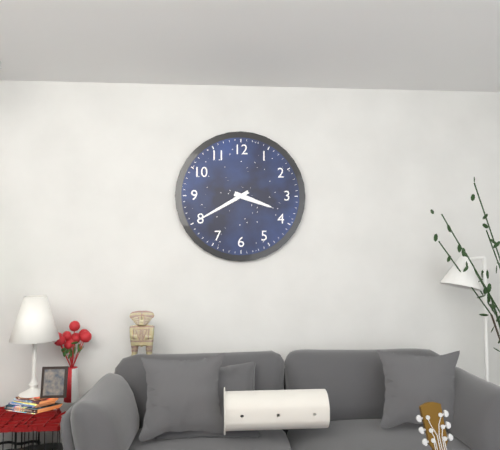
**3:40**
